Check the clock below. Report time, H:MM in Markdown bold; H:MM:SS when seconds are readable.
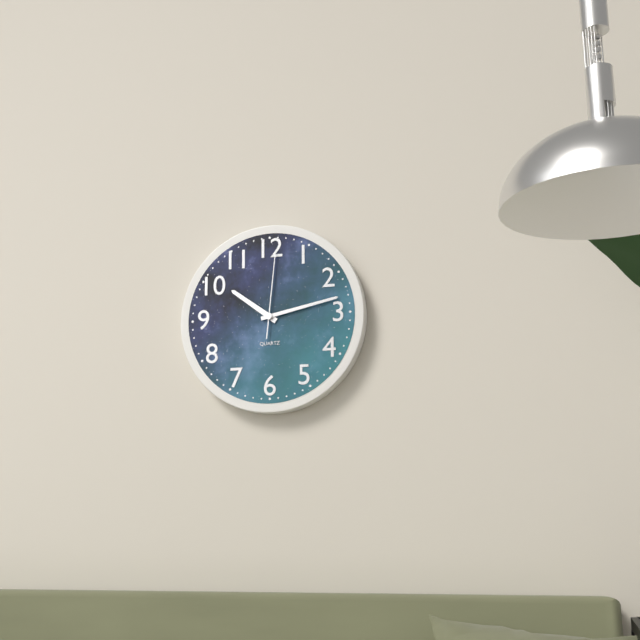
**10:13:01**
